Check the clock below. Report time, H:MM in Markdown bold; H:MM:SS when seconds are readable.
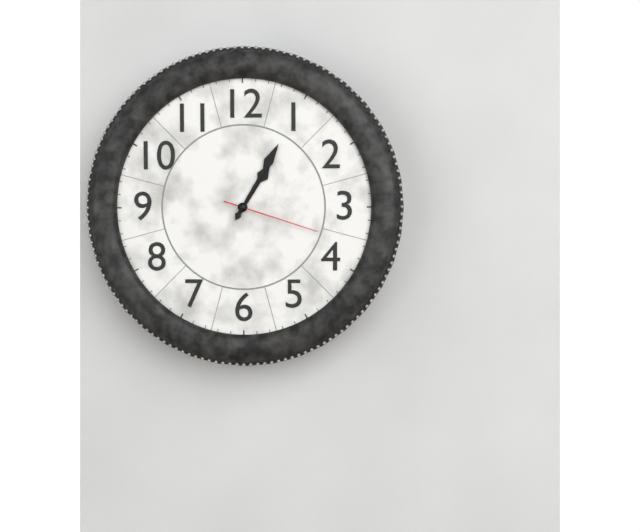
**1:05:18**
